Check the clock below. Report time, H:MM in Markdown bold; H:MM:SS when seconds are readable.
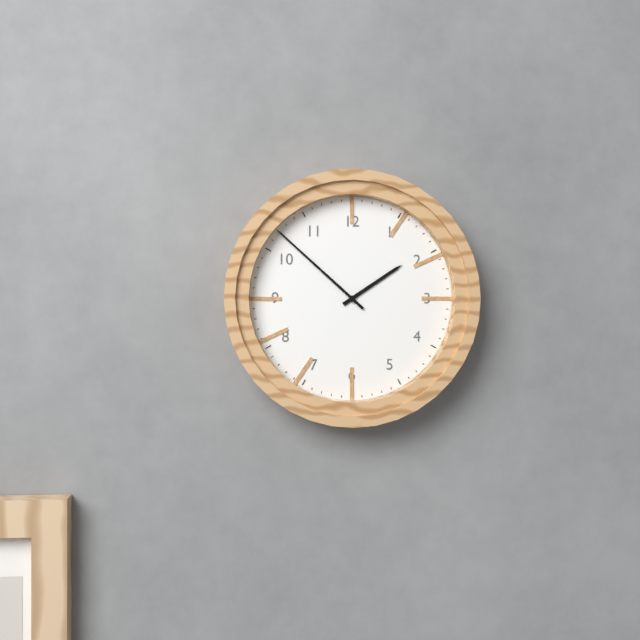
**1:52**
